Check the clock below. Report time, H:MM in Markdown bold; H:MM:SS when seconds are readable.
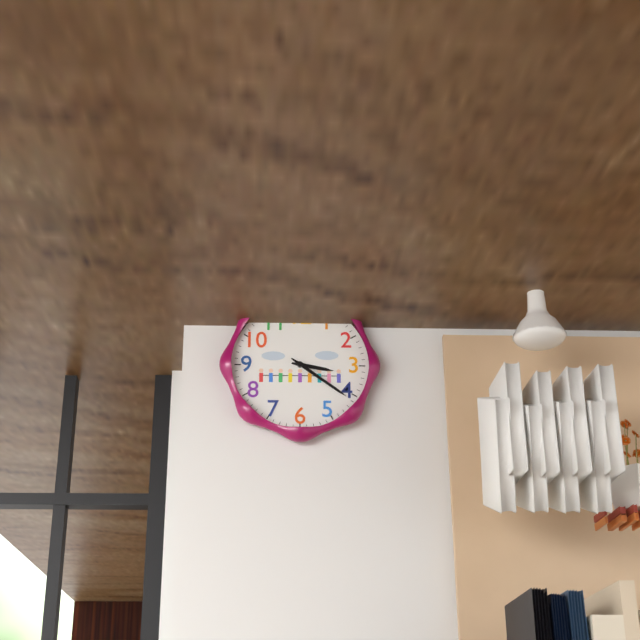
**3:21**
